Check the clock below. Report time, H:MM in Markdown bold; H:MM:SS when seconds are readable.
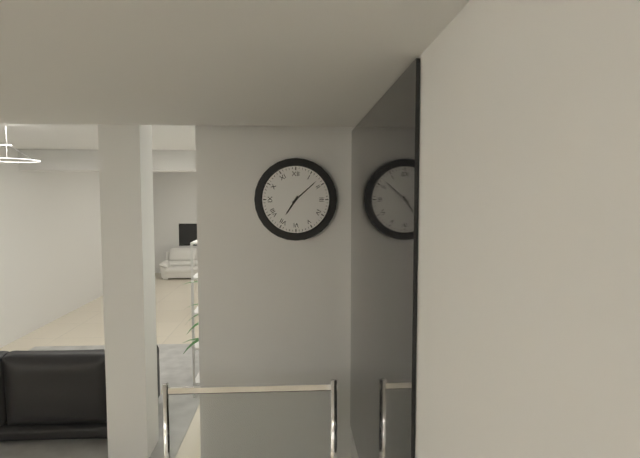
**7:08**
